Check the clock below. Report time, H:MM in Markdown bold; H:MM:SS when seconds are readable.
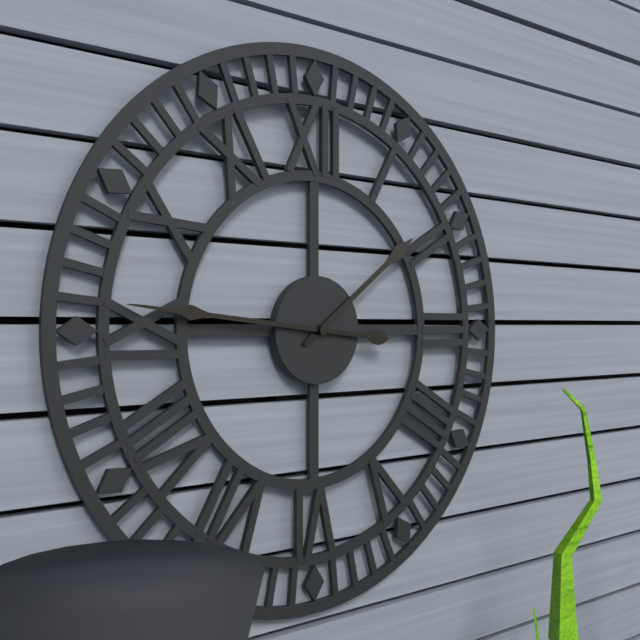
**1:46**
